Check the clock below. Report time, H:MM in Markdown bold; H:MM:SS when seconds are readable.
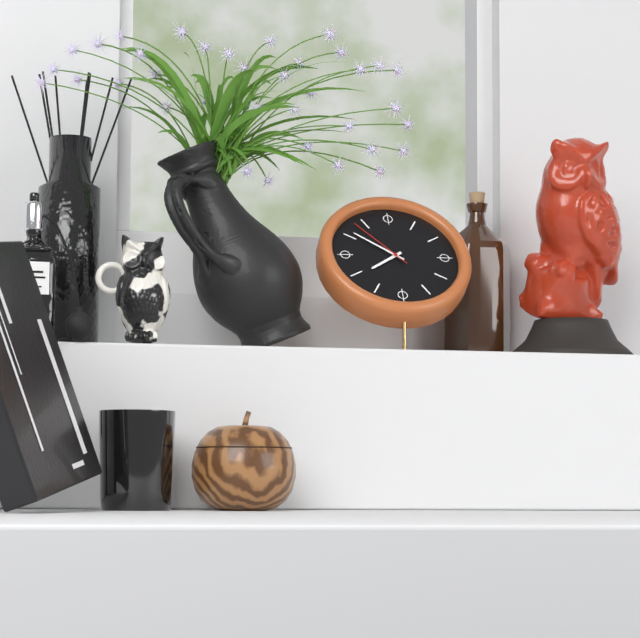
**7:51:53**
